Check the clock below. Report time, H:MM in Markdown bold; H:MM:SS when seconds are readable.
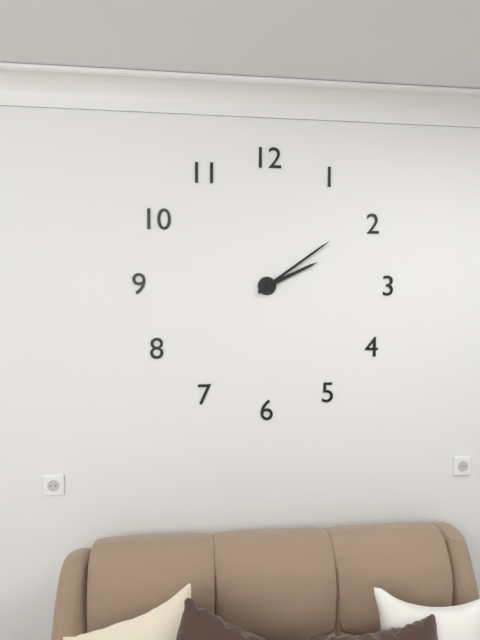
**2:09**
